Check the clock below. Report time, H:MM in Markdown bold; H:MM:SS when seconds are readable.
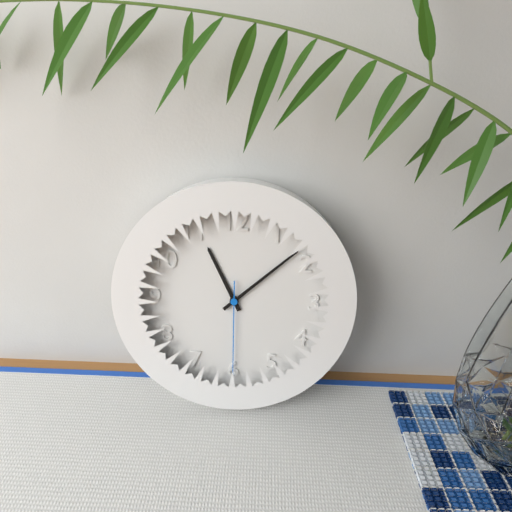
**11:08:30**
